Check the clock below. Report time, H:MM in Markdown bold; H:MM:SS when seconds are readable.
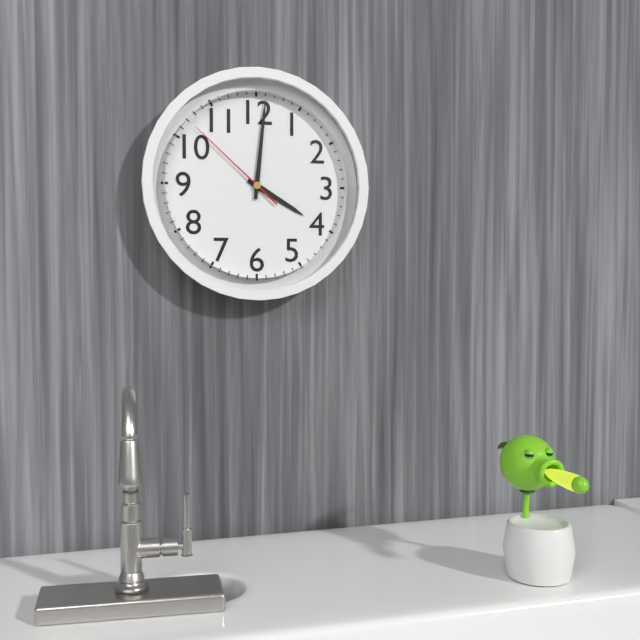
**4:01:52**
